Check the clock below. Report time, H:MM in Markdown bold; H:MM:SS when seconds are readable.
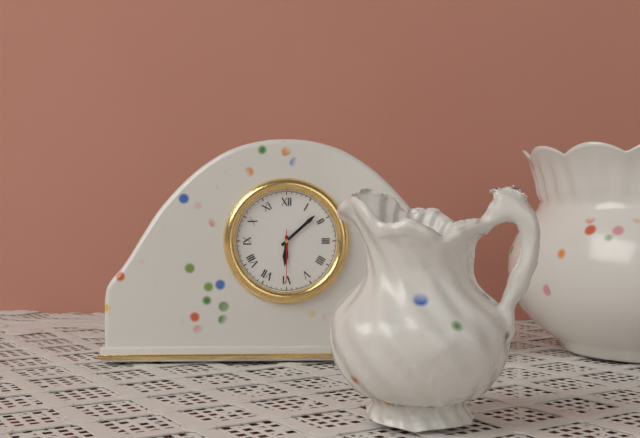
**6:08:30**
